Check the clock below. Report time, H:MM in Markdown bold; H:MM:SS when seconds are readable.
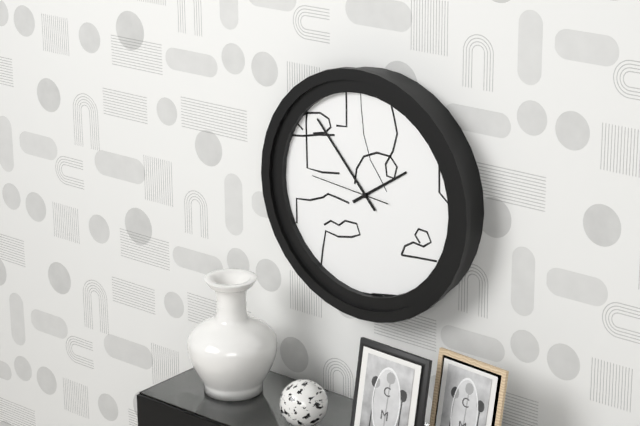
**1:53:46**
